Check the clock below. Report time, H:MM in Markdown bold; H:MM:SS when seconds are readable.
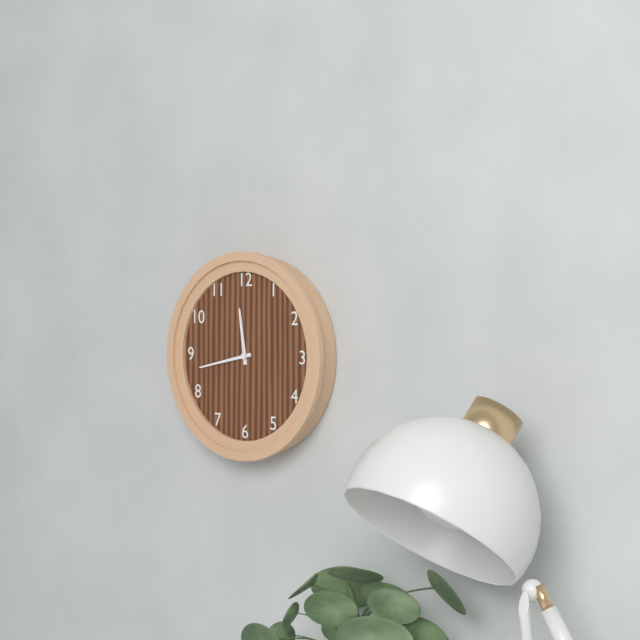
**11:43**
